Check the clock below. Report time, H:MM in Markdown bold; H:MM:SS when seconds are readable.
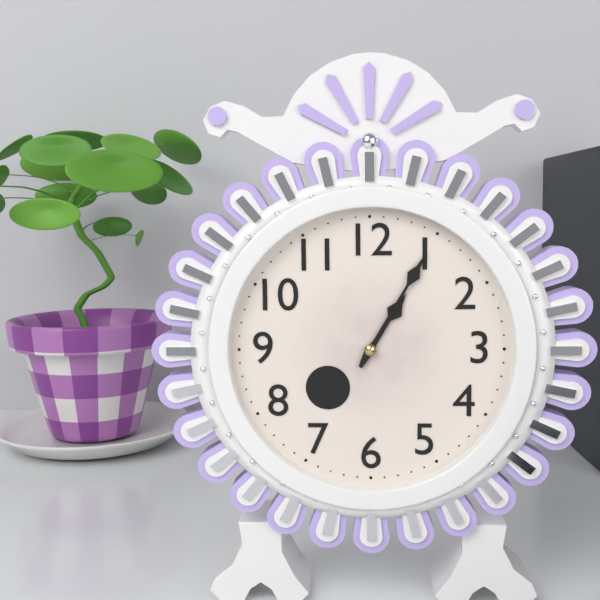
**1:05**
